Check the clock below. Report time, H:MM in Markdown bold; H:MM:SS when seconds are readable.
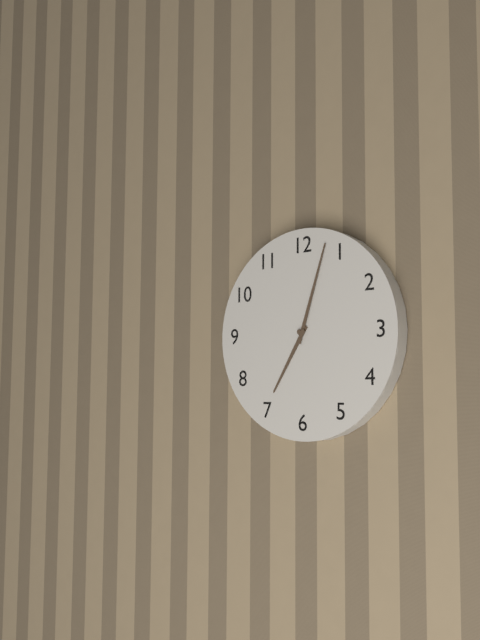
**7:03**
